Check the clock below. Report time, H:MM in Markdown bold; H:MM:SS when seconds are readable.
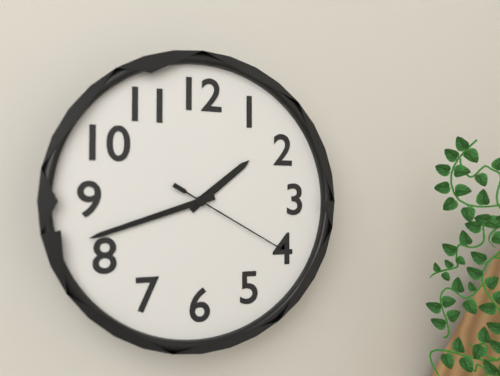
**1:42:20**
